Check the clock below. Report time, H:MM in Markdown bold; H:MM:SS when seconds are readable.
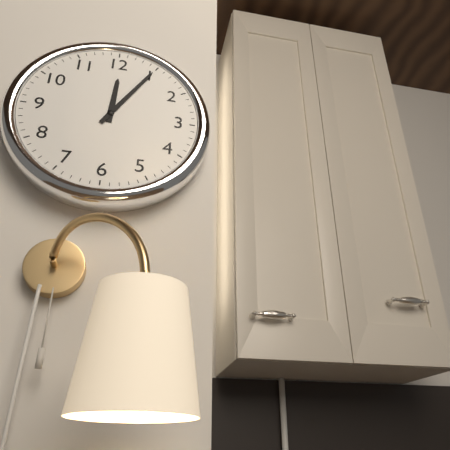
**12:05**
